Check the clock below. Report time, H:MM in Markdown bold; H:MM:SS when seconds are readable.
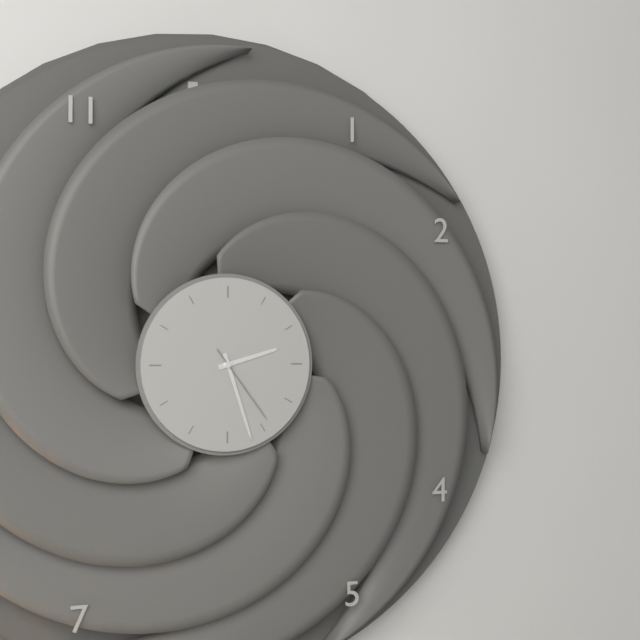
**2:27:24**
